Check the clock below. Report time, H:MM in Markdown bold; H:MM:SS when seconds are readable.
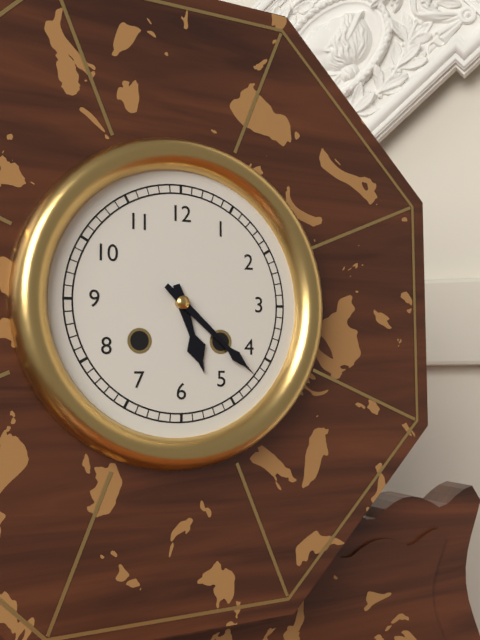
**5:22**
